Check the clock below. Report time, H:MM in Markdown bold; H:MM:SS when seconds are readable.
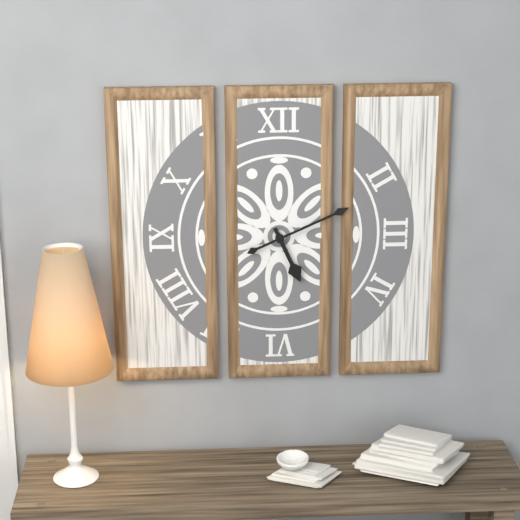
**5:11**
